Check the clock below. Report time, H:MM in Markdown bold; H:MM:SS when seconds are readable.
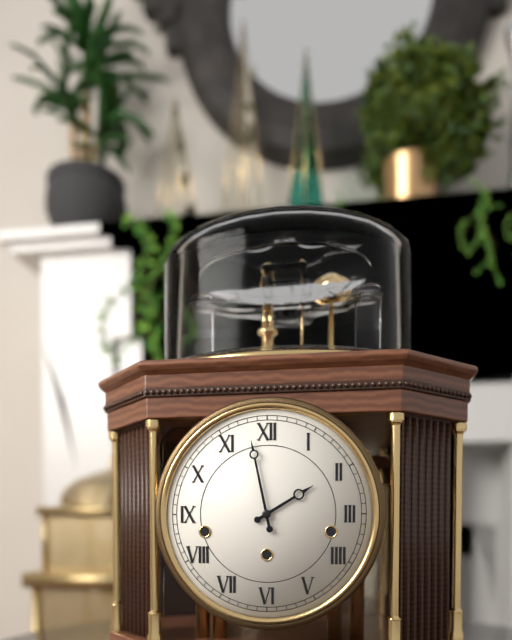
**1:58**
